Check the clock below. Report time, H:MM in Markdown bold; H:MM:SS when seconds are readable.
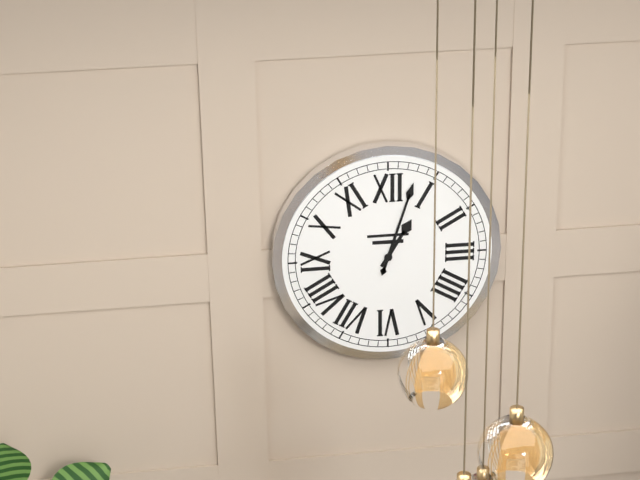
**1:03**
